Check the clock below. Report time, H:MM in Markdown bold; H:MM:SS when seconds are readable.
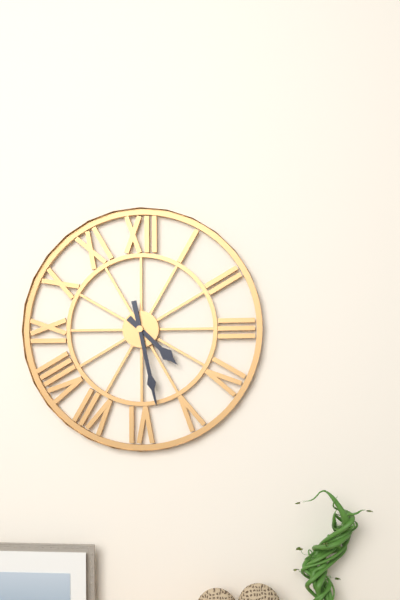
**4:28**
